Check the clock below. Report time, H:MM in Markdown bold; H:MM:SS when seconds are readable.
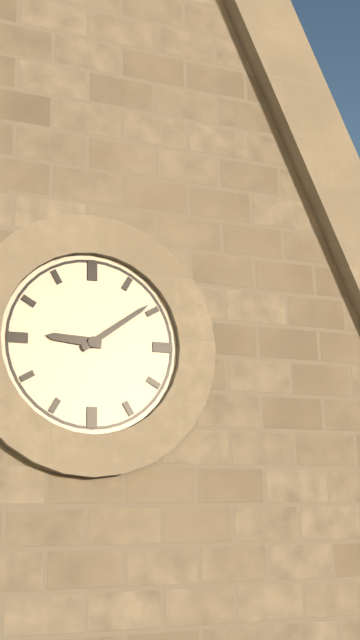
**9:09**
